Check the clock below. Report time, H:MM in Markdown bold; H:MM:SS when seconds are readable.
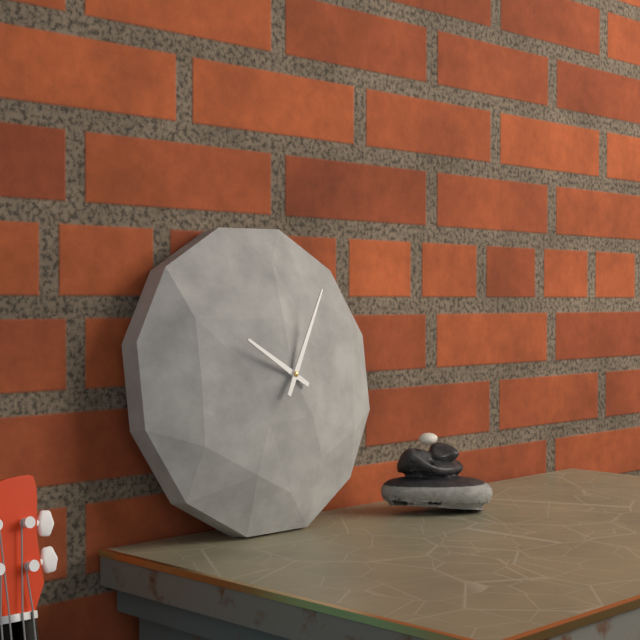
**10:05**
